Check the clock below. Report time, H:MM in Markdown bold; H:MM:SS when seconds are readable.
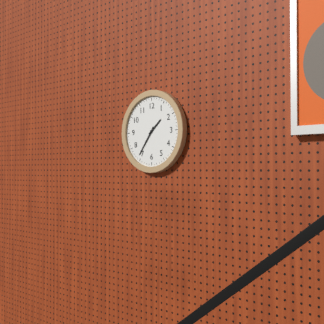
**1:36**
